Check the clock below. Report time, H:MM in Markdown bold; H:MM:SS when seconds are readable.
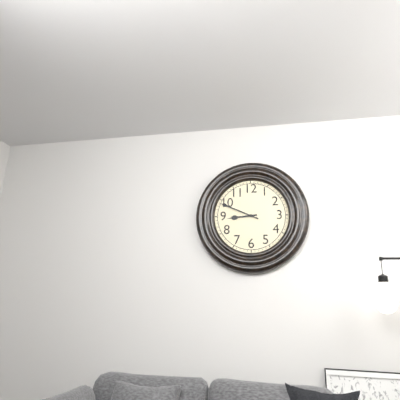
**8:49**
